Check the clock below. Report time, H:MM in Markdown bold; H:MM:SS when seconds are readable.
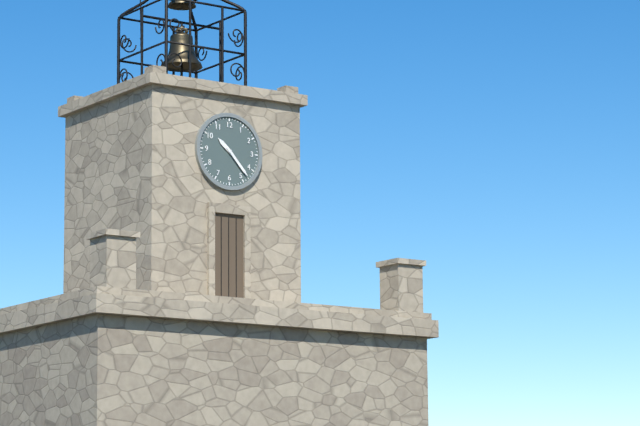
**10:23**
